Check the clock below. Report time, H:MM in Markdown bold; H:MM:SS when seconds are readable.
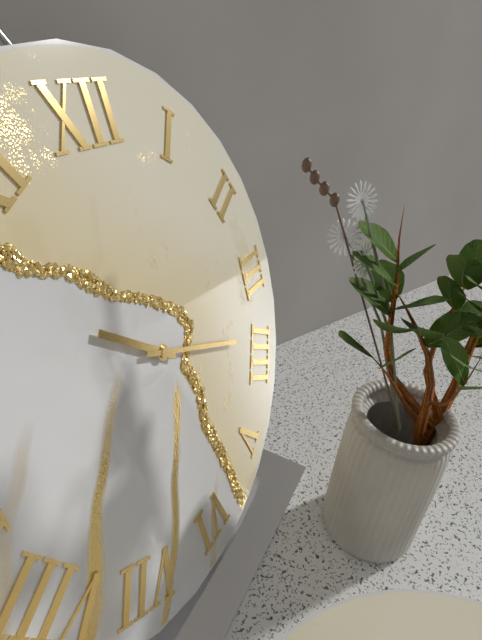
**10:19**
